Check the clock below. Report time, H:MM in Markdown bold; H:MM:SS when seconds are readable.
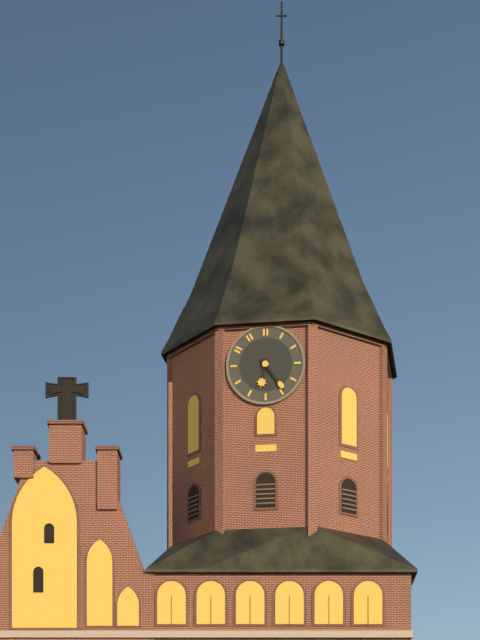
**6:24**
